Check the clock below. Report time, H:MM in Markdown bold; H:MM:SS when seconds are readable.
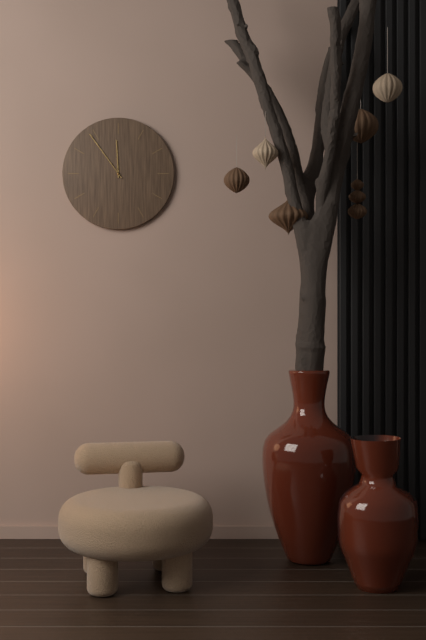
**11:54**
